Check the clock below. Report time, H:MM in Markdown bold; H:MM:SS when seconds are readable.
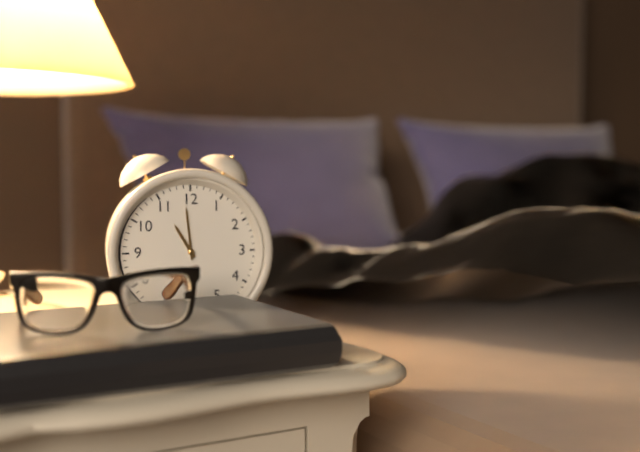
**10:59**
